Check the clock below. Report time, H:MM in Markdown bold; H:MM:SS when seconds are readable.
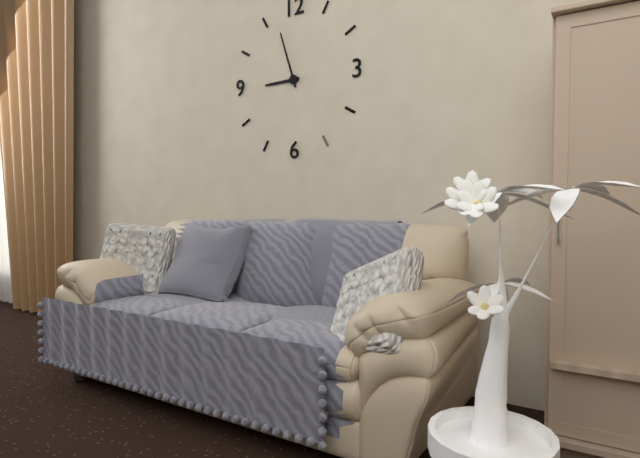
**8:57**
